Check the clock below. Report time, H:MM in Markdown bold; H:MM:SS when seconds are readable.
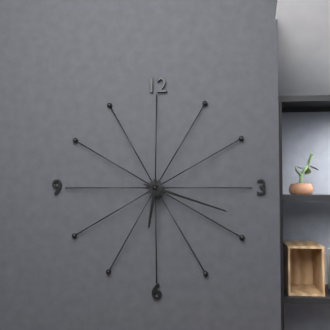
**6:18**
